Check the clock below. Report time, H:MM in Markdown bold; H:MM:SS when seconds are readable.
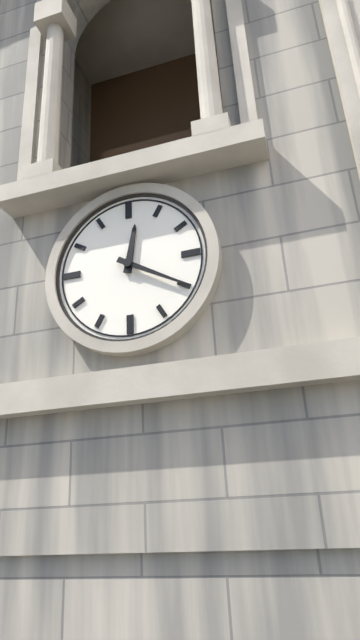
**12:20**
